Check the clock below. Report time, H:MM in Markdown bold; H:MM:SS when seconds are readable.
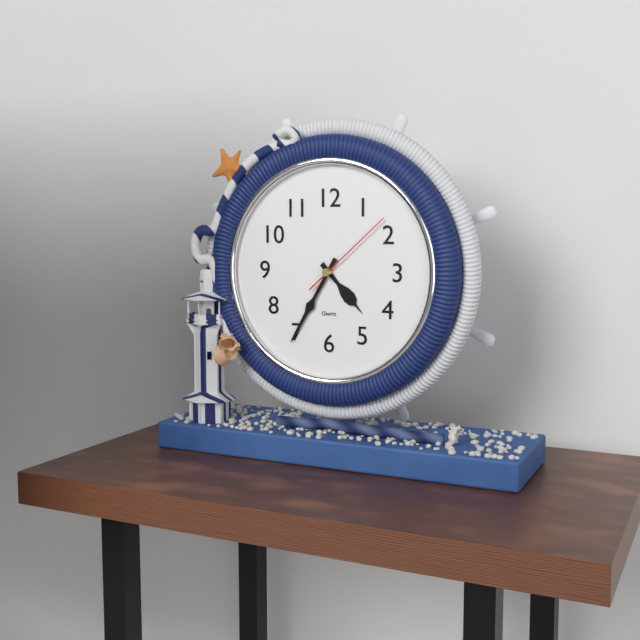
**4:35:08**
